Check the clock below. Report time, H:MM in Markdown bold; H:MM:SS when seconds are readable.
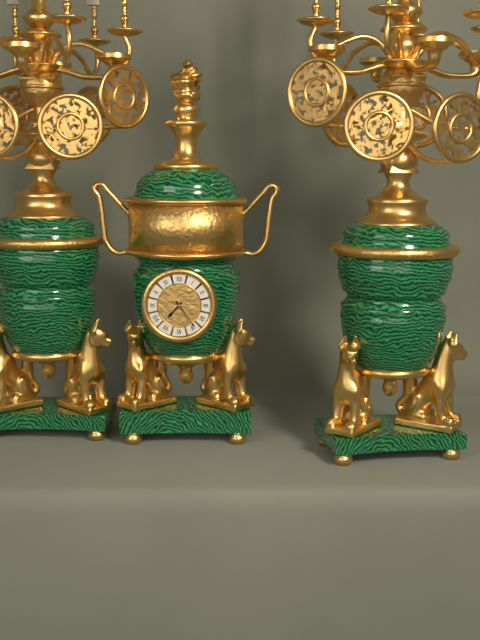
**7:24**
